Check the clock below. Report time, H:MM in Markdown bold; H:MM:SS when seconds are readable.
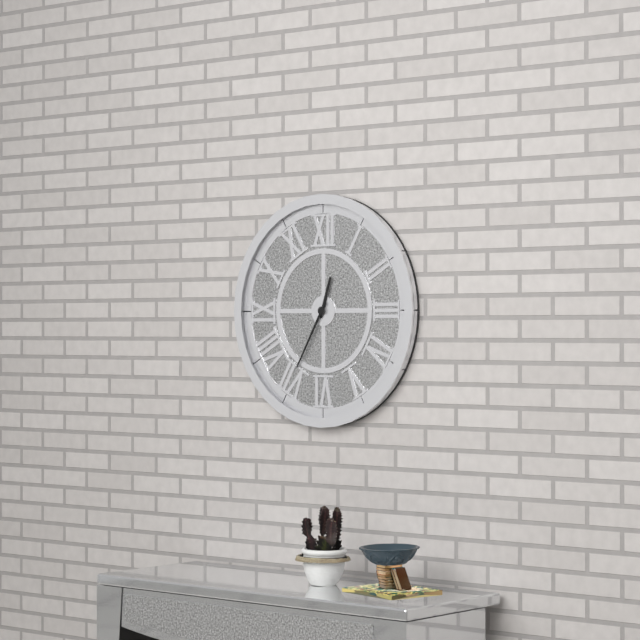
**12:35**
